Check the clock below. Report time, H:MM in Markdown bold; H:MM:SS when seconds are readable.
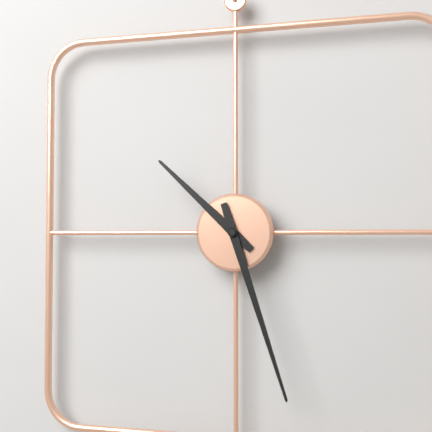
**10:27**
